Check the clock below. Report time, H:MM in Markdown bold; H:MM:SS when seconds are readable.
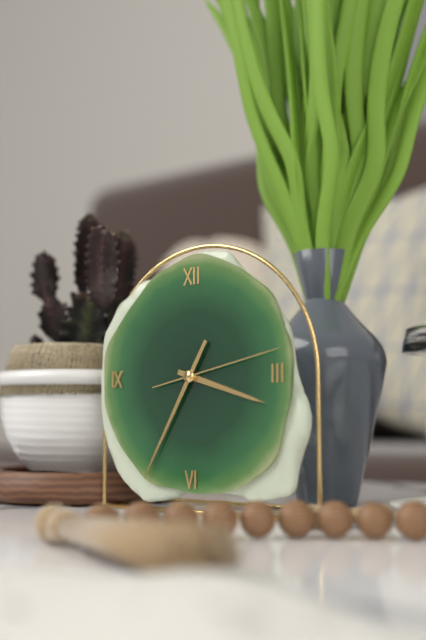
**3:35:13**
